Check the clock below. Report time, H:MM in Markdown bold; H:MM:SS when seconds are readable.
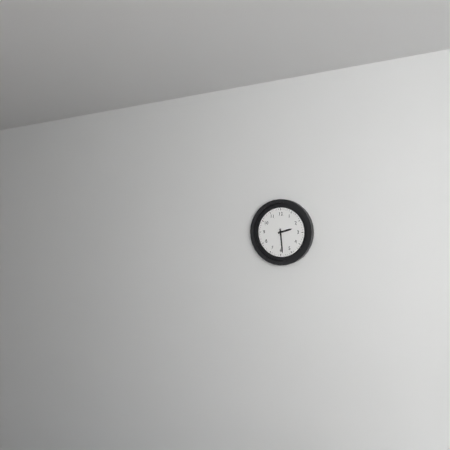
**2:29**
